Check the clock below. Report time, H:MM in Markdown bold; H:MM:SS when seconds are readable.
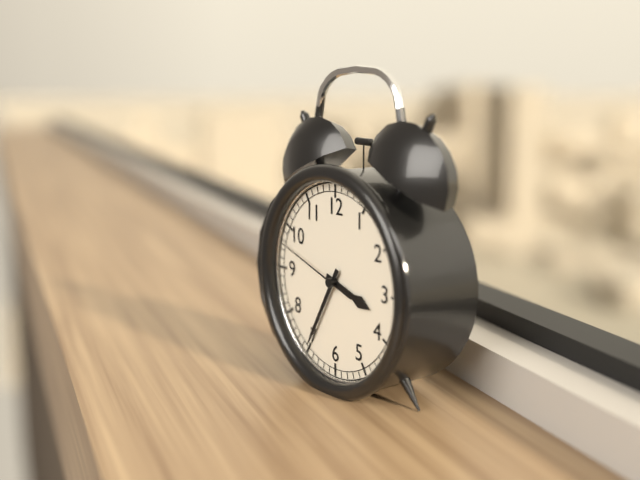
**3:35:48**
